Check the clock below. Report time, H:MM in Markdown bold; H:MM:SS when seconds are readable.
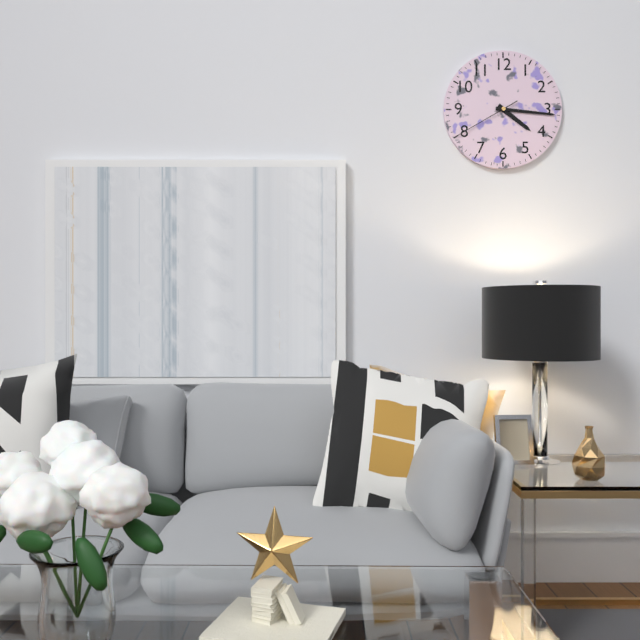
**4:16:40**
